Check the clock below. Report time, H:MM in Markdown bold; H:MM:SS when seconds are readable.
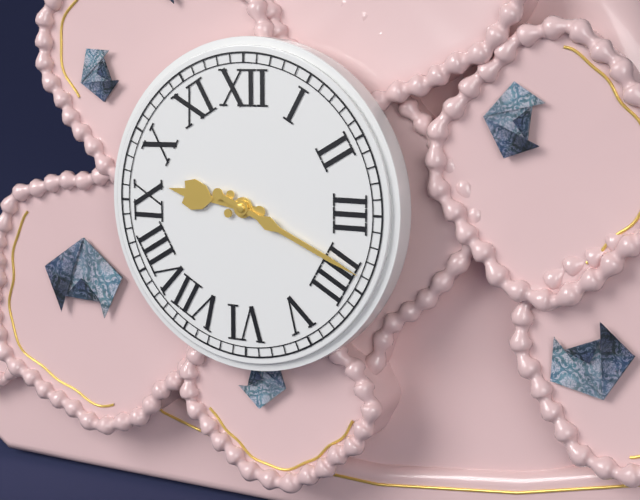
**9:19**
